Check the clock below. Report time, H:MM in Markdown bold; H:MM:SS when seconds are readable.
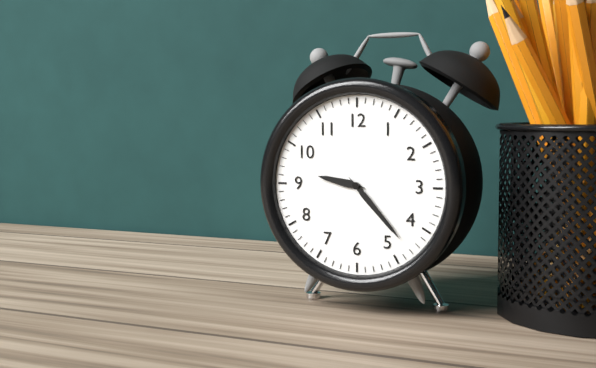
**9:23**
